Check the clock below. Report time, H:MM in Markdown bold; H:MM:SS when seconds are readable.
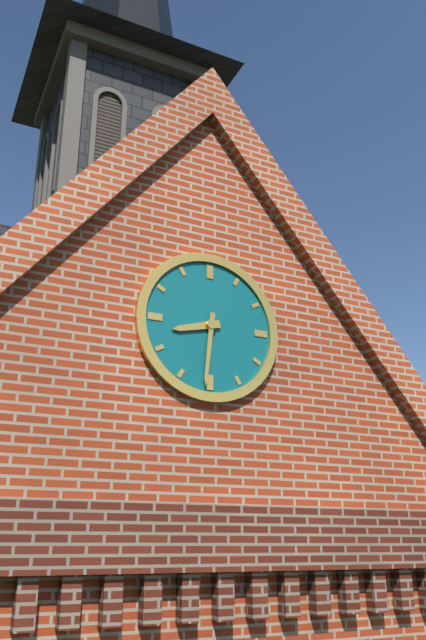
**8:31**
